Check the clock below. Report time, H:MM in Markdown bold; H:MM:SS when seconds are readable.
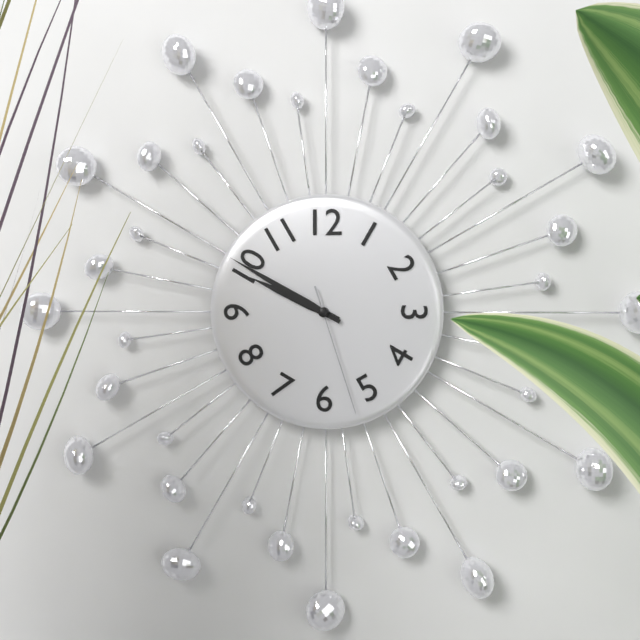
**9:50:27**
